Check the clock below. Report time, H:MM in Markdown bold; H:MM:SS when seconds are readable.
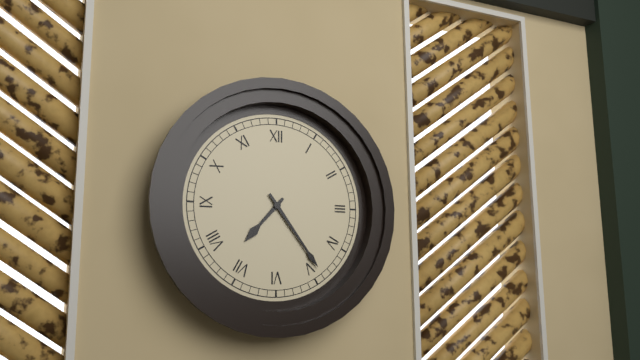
**7:24**
